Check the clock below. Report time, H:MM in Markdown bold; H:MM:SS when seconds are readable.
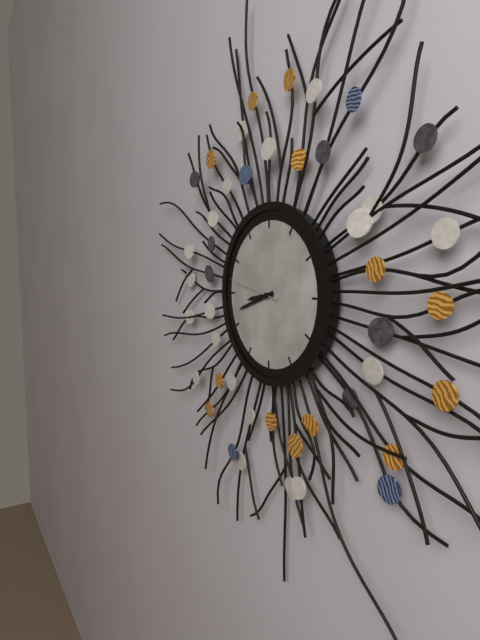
**8:42**
